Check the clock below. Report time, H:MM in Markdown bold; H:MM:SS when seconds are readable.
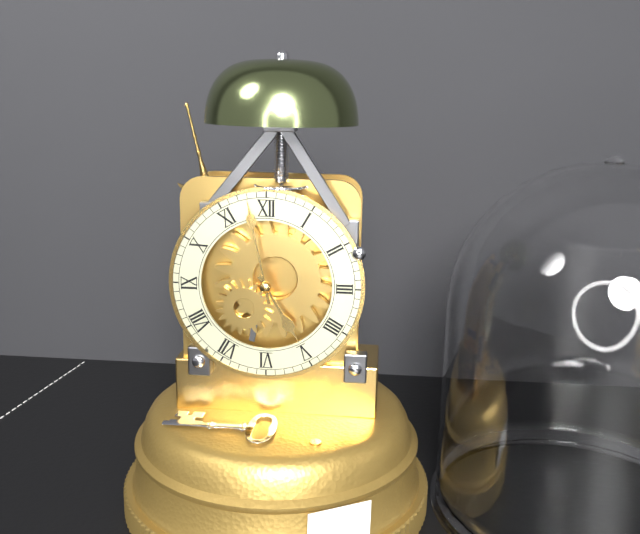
**4:58**
